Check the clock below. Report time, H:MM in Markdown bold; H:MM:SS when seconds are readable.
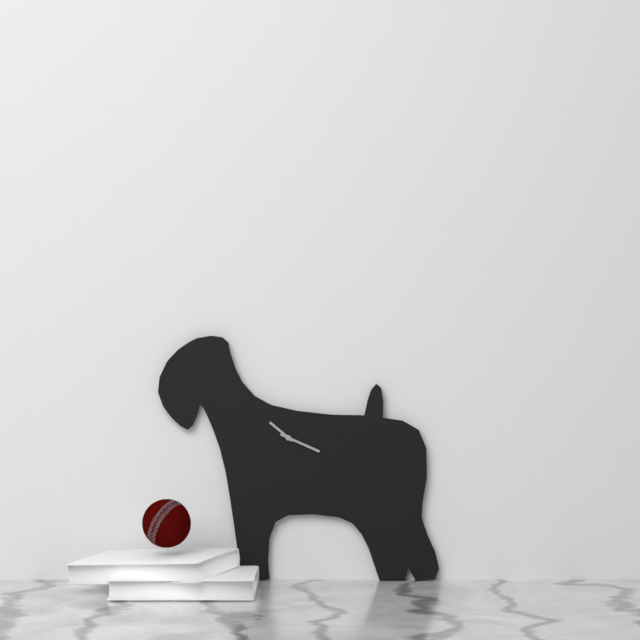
**10:19**
